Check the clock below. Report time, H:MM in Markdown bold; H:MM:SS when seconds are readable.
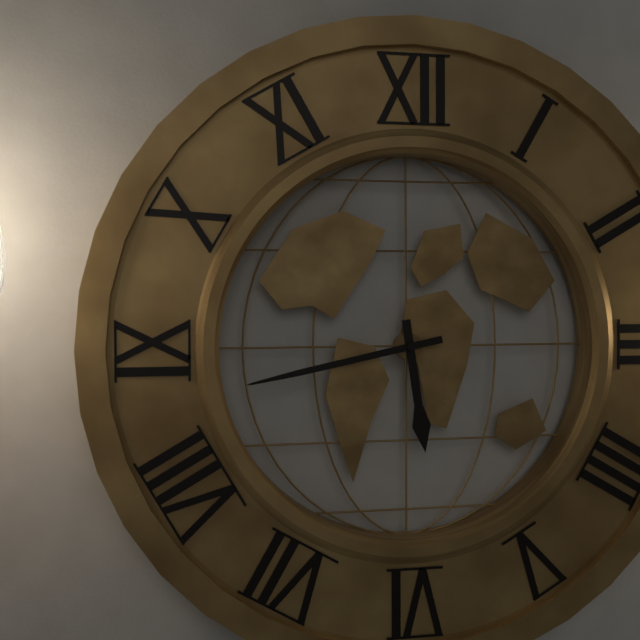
**5:43**
